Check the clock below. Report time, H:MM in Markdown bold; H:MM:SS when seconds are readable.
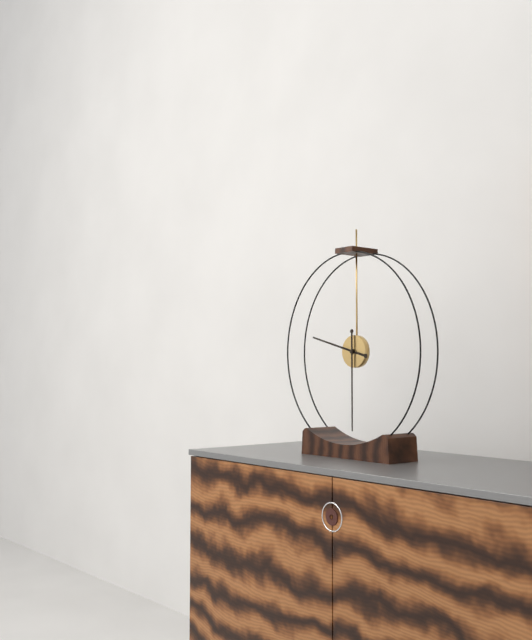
**9:30**
